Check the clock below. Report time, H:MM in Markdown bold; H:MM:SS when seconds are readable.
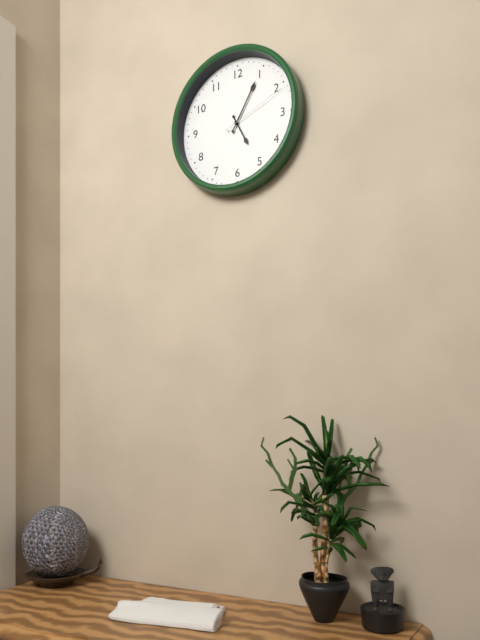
**5:05:11**
